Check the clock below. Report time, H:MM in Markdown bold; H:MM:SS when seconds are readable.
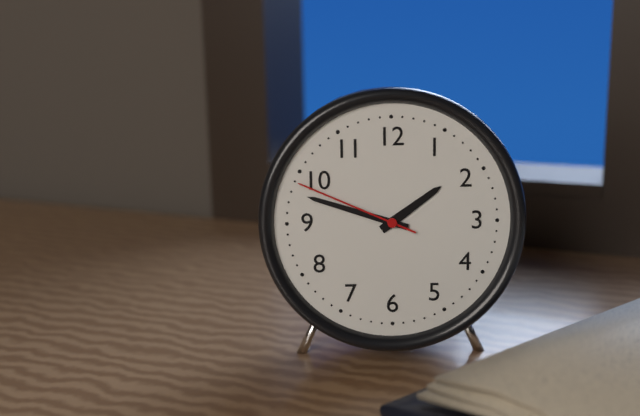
**1:48:49**
